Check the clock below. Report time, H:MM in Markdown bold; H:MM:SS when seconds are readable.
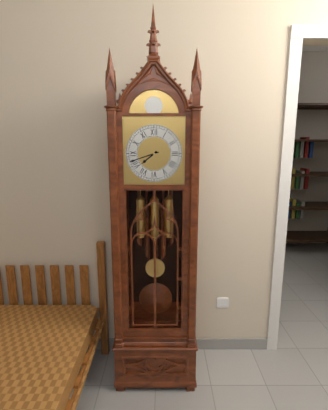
**7:42**
